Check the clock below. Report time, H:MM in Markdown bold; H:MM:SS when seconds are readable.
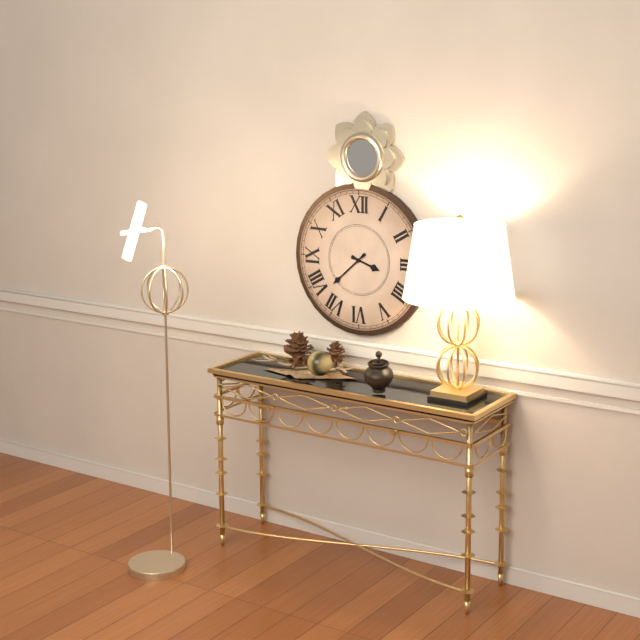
**3:38**
